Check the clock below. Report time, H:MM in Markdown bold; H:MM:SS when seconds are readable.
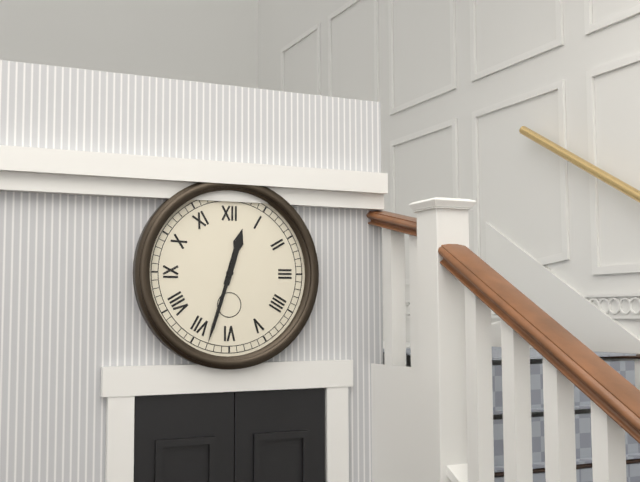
**12:33**
